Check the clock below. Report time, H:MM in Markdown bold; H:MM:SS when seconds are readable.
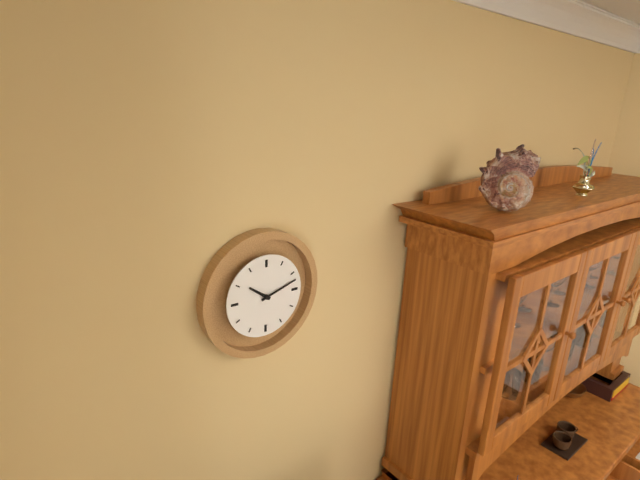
**10:12**
